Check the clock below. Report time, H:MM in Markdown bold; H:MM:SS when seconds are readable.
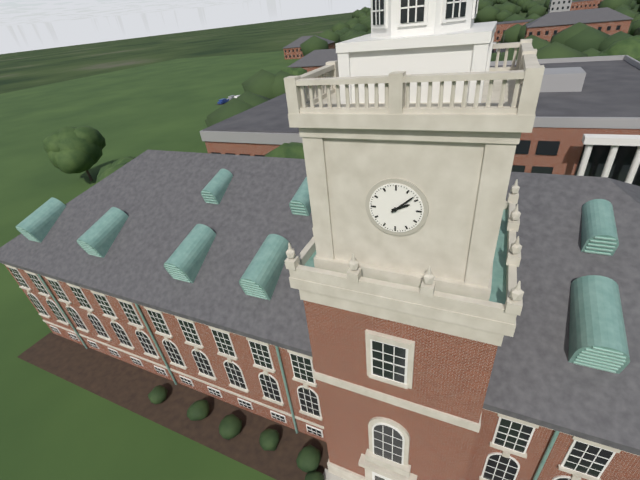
**2:08**
